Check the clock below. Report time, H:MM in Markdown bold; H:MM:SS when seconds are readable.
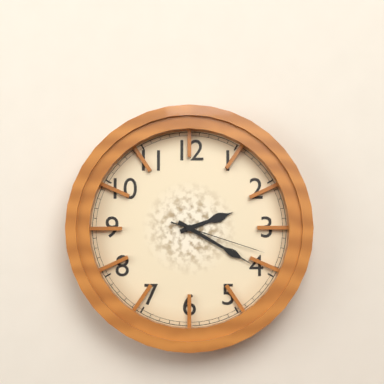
**2:20:18**
